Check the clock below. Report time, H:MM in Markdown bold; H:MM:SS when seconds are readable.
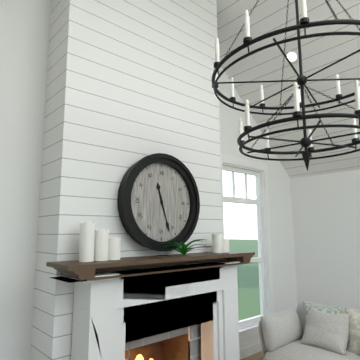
**11:27**
